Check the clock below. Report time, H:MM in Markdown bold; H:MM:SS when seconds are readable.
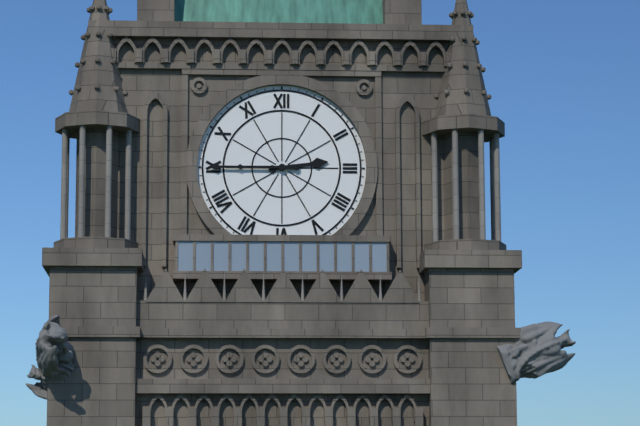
**2:45**
